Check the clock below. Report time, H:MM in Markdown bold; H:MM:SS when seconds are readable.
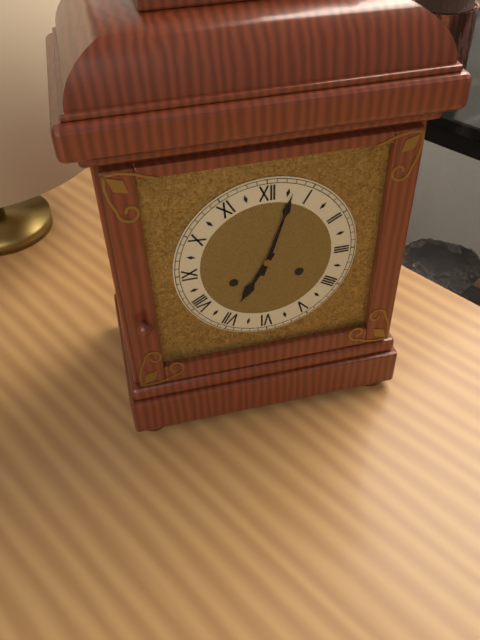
**7:03**
